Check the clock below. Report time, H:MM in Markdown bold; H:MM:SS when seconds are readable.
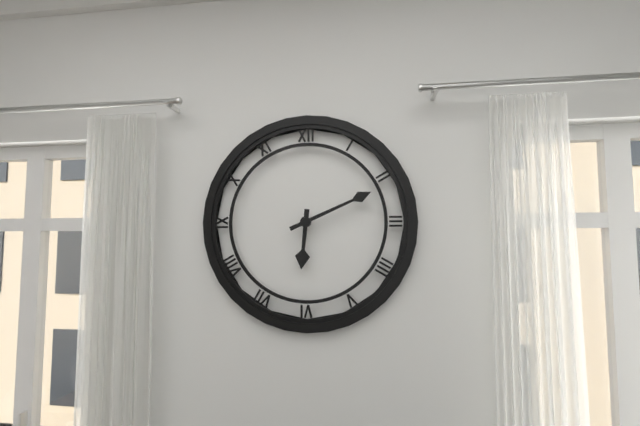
**6:11**
